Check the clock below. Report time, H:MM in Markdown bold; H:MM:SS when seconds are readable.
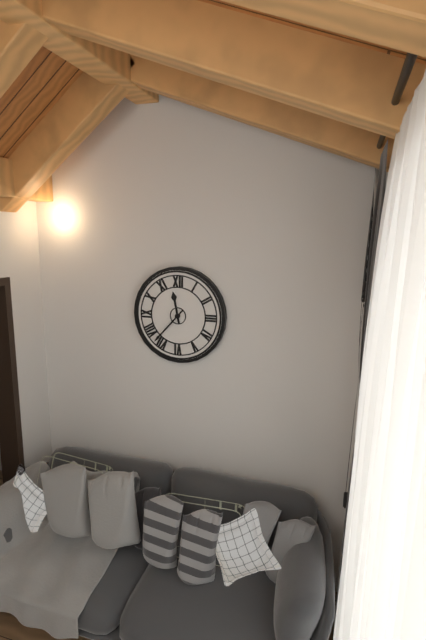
**11:37**
